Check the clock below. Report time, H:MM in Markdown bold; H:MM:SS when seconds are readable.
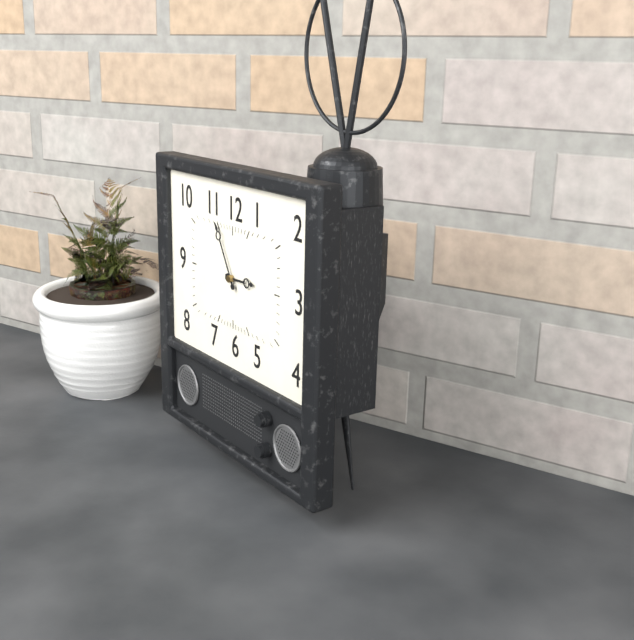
**2:55**
